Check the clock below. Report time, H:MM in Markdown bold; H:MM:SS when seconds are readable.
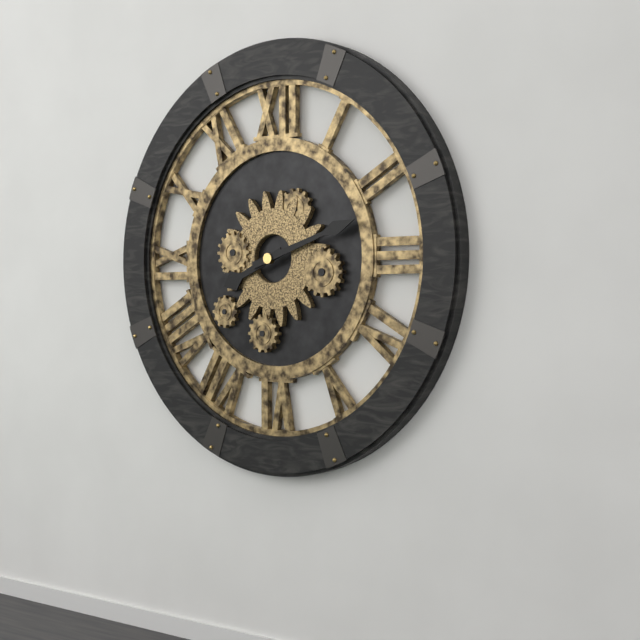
**8:12**
